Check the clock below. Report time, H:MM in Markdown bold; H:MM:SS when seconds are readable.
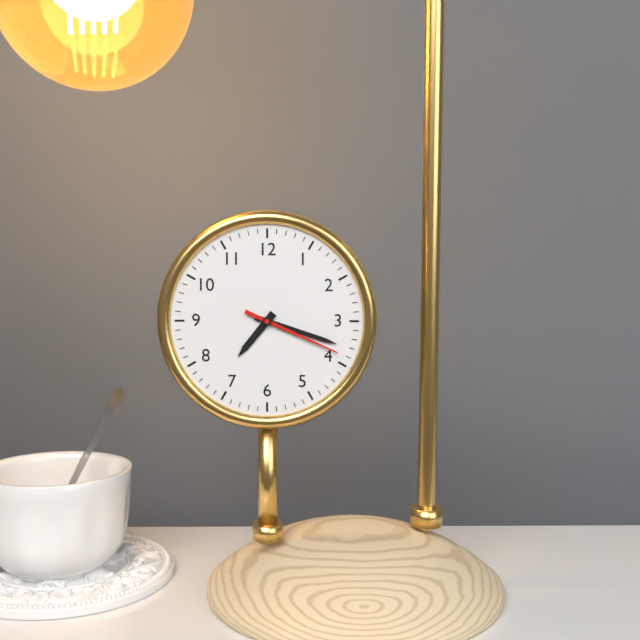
**7:18:19**
